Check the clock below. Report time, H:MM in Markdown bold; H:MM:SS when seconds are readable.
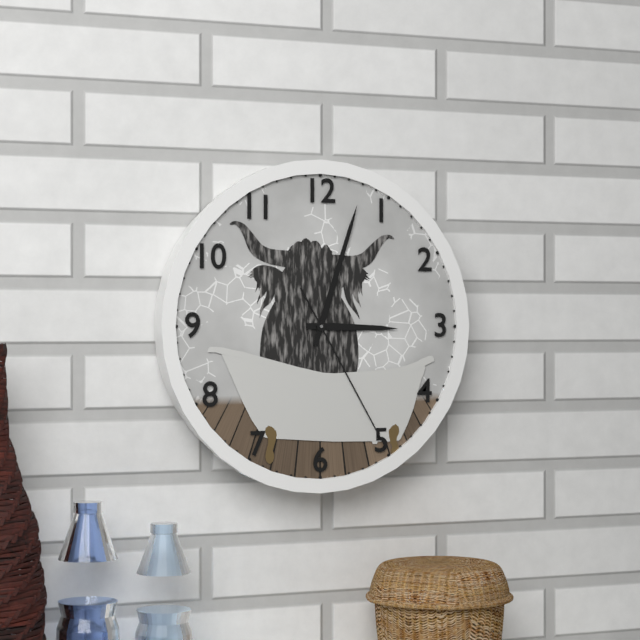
**3:03:25**
